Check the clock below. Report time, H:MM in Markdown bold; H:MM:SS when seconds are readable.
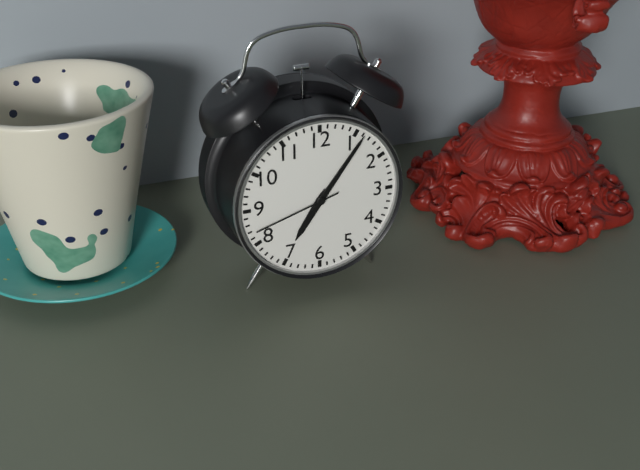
**7:06:42**
